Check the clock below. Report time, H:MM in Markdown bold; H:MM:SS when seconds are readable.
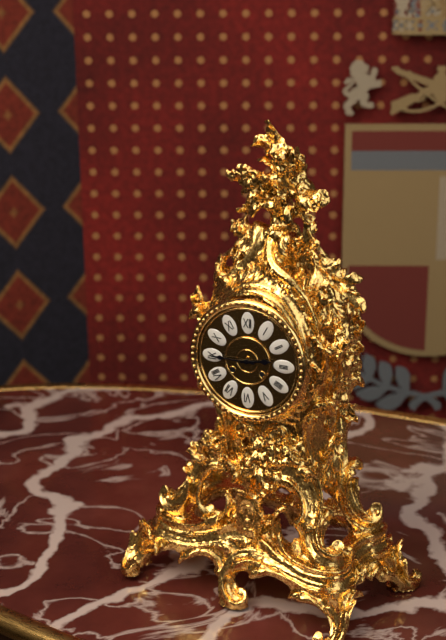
**2:45**
